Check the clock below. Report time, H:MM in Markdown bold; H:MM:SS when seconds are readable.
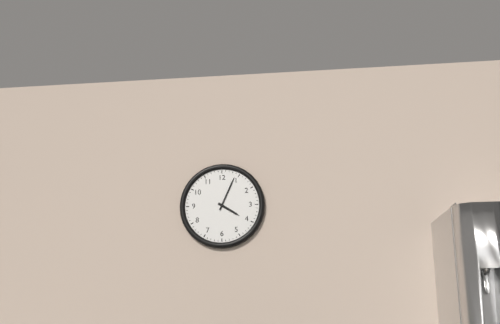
**4:04**
